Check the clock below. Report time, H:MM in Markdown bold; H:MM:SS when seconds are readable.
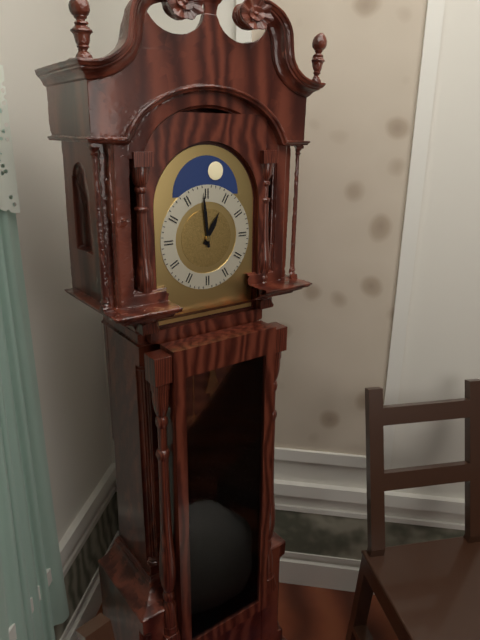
**12:59**
